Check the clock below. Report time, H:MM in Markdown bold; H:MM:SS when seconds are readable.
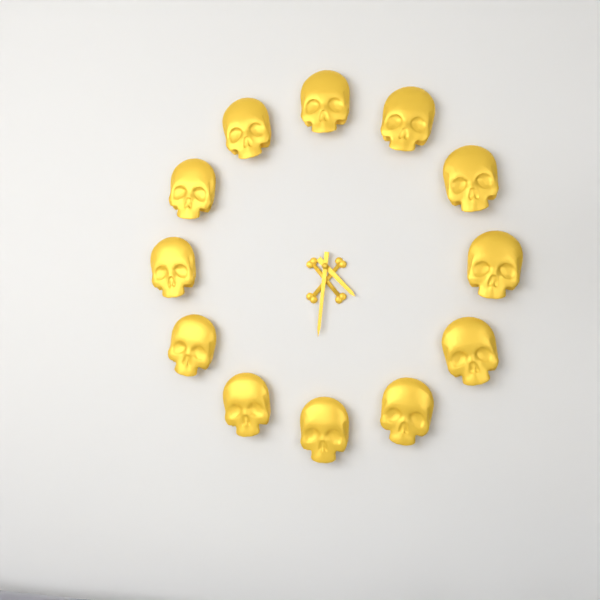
**4:31**
